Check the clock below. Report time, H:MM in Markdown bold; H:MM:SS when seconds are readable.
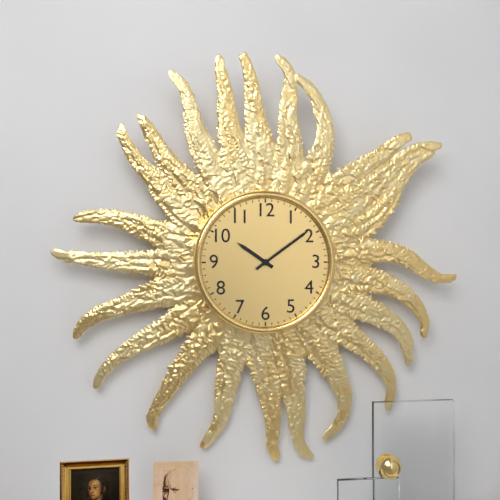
**10:09**
